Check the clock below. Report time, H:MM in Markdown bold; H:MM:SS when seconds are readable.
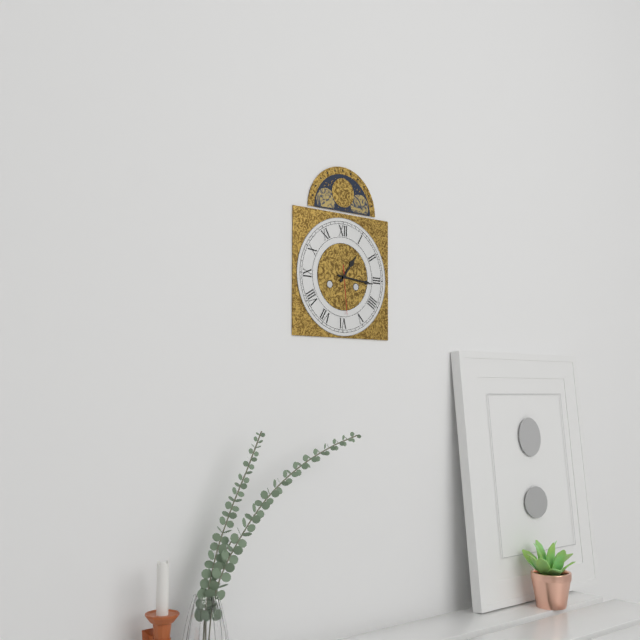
**1:16**
